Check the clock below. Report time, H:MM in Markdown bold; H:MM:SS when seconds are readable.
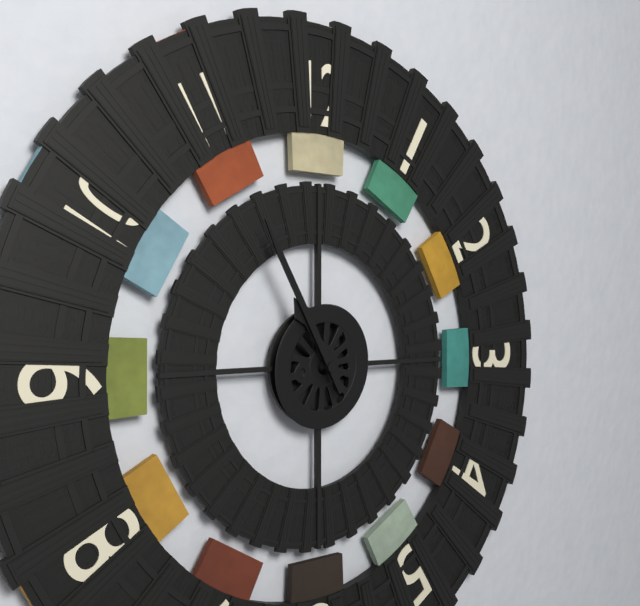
**10:55**
